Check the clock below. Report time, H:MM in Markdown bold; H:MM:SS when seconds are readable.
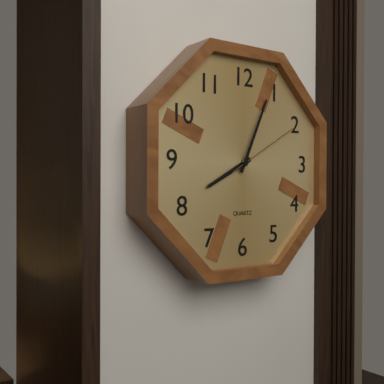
**8:04:10**
